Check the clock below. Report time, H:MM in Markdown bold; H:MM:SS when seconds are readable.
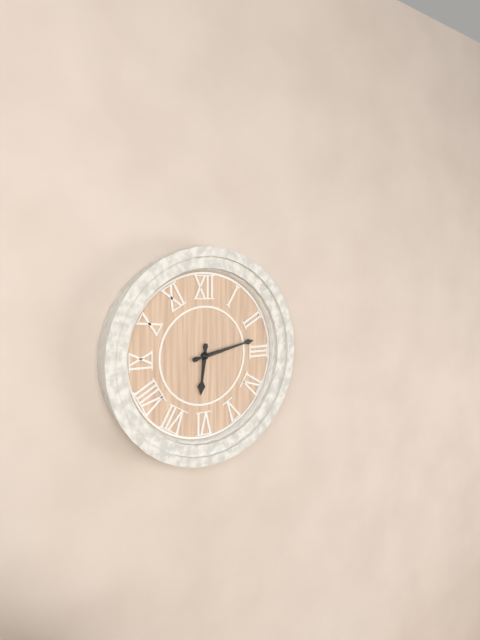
**6:13**
